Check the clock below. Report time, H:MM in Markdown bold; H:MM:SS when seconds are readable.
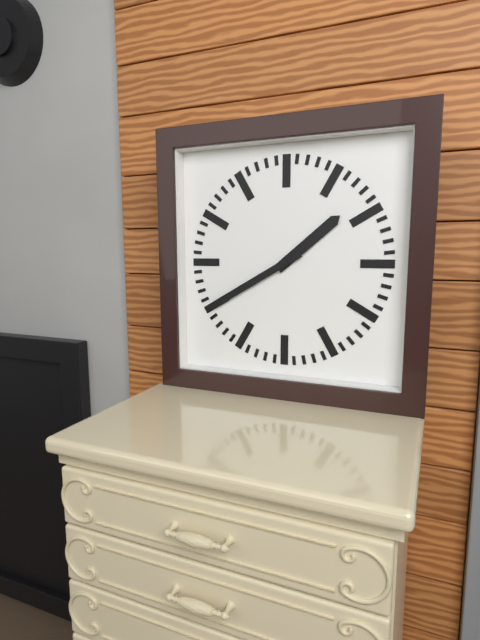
**1:40**
